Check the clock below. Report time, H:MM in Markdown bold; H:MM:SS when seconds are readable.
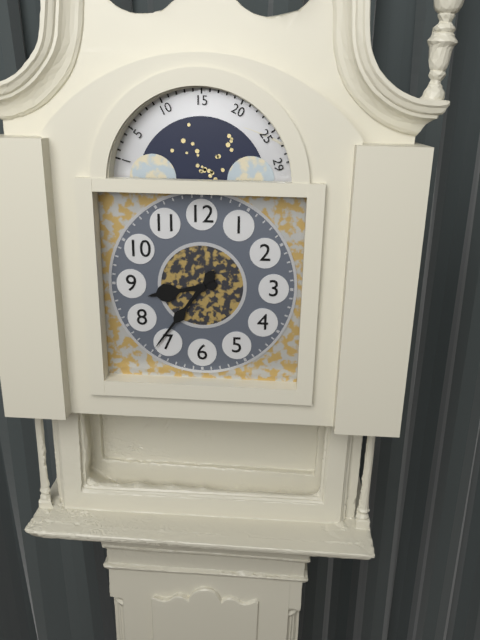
**8:36**
